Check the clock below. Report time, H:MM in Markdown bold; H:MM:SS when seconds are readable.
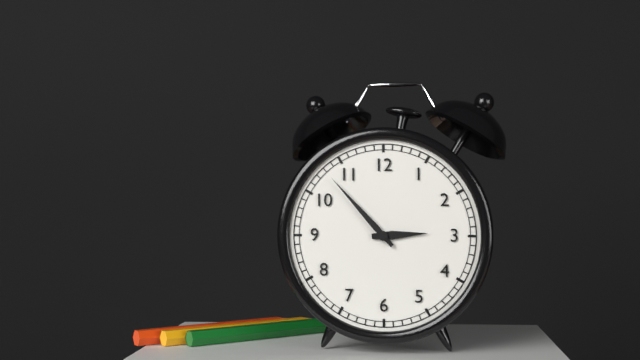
**2:53**
